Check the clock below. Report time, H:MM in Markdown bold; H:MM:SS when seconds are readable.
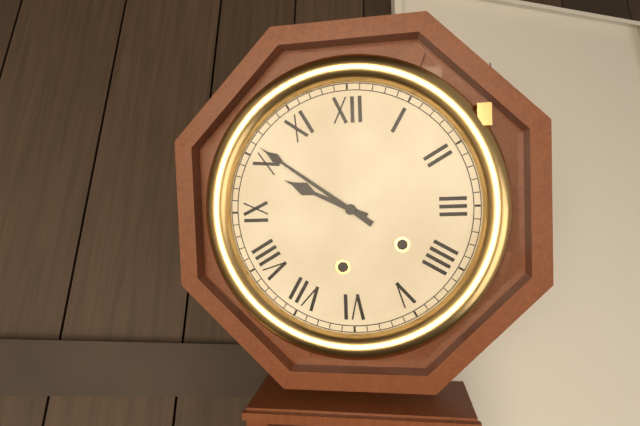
**9:51**
